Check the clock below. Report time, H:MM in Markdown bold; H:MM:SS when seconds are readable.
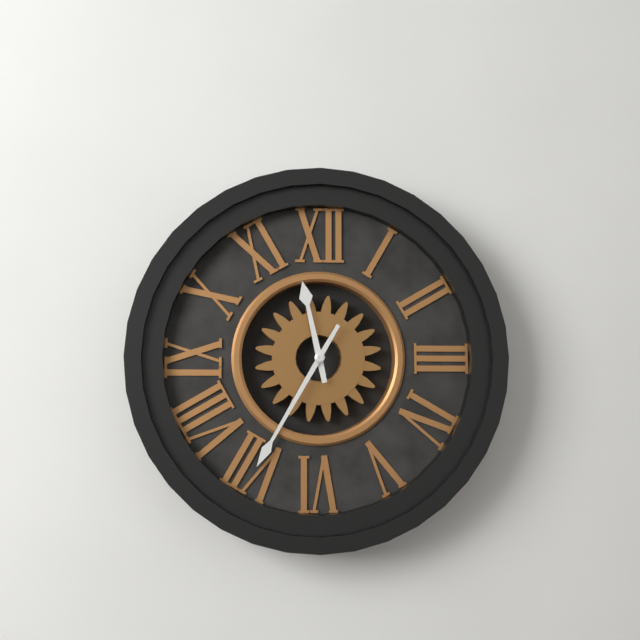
**11:35**
